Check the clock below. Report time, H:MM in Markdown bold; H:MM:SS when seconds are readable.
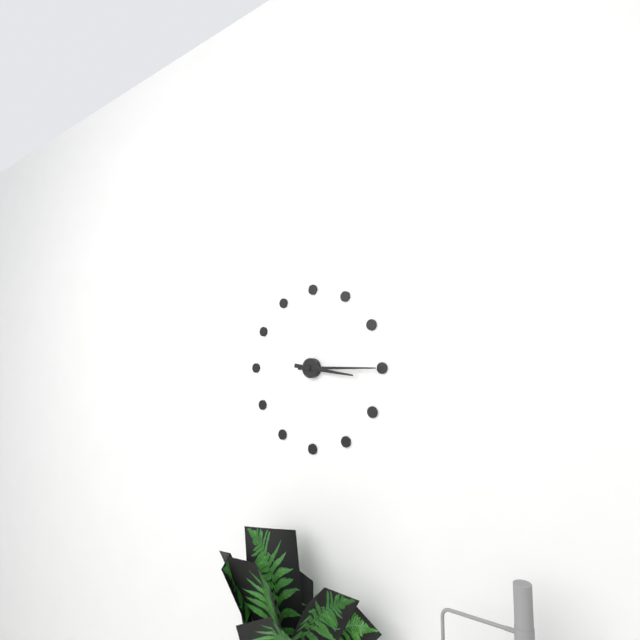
**3:15**
